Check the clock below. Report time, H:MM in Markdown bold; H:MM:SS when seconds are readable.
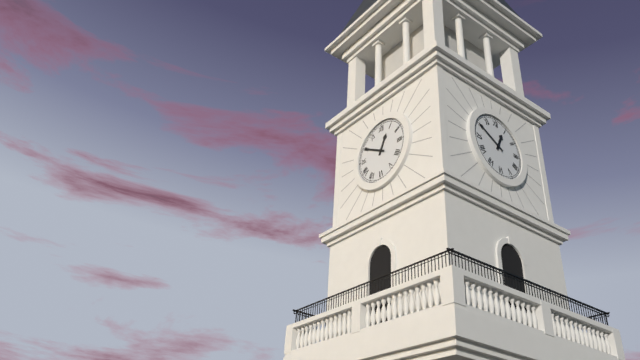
**12:50**
